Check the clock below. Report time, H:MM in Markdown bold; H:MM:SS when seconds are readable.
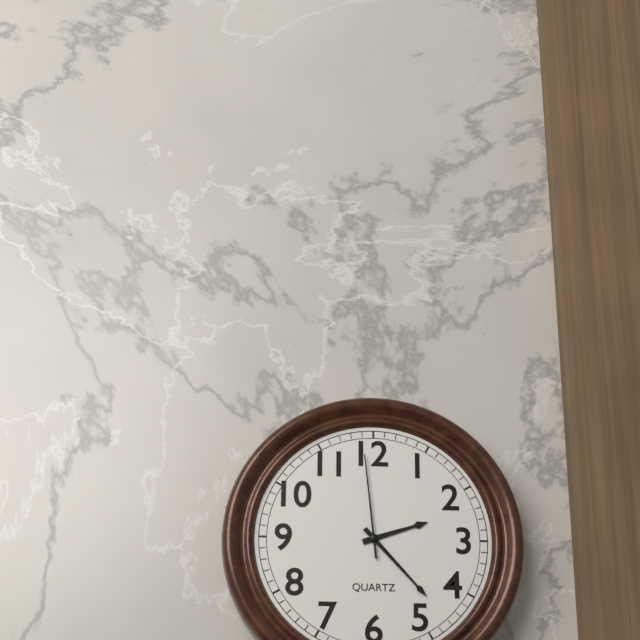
**2:23:59**
